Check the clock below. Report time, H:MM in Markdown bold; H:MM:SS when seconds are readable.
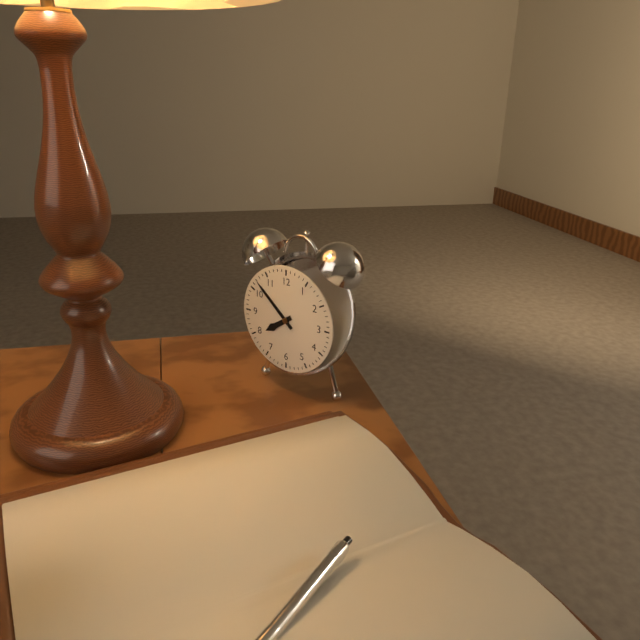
**7:52**
